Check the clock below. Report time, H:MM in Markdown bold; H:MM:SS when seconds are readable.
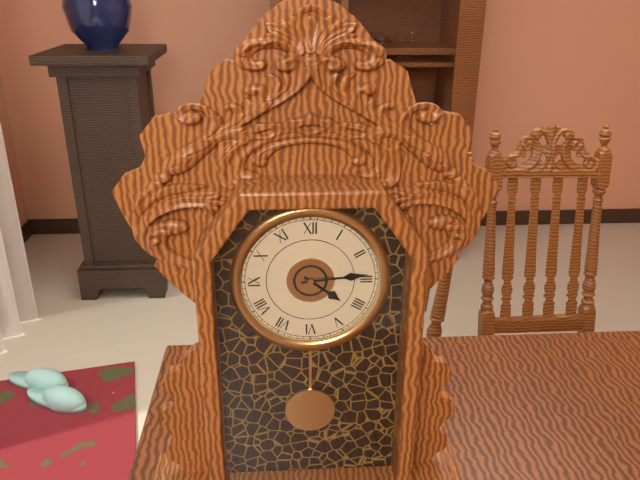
**4:14**
